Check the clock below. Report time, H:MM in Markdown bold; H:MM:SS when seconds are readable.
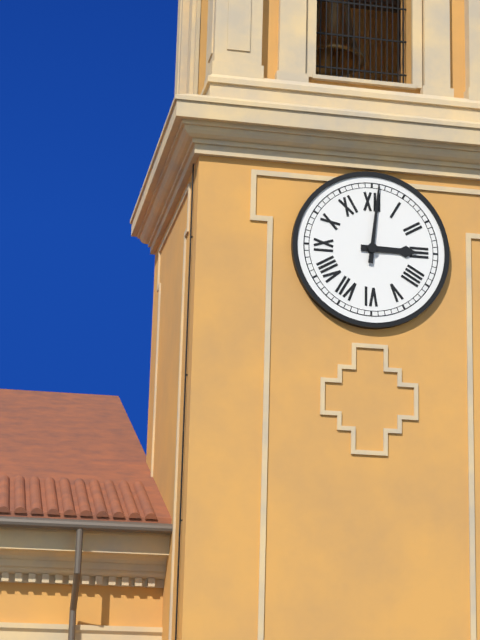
**3:01**
